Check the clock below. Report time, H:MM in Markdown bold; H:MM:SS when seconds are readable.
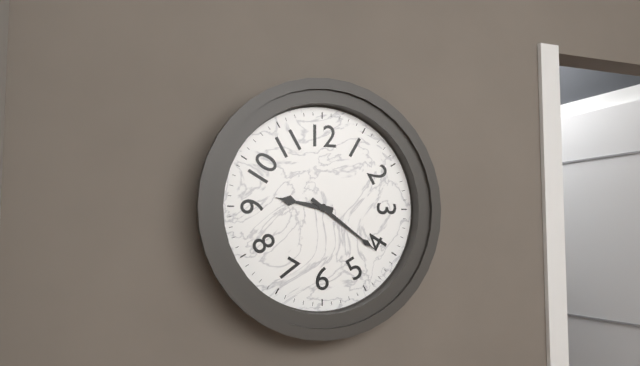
**9:21**
